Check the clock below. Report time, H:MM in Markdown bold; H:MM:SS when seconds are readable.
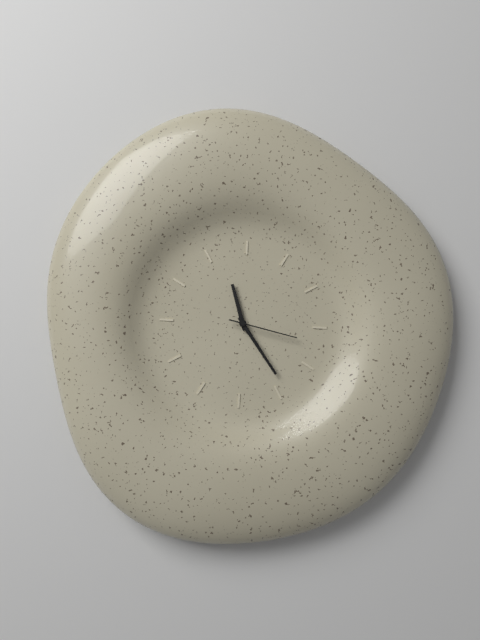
**11:24:17**
